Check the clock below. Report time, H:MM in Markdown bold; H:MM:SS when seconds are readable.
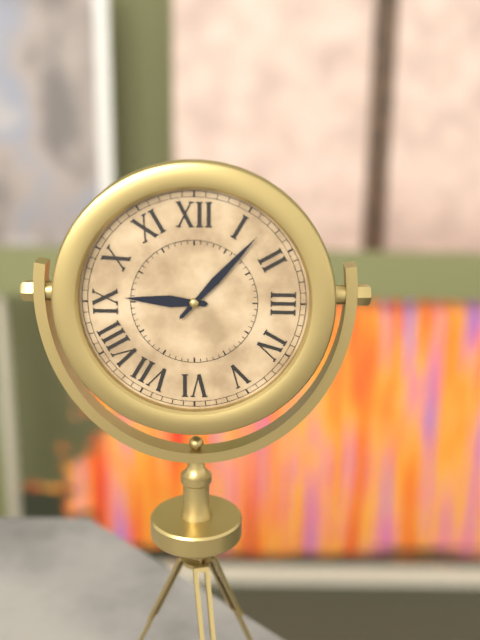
**9:07**
